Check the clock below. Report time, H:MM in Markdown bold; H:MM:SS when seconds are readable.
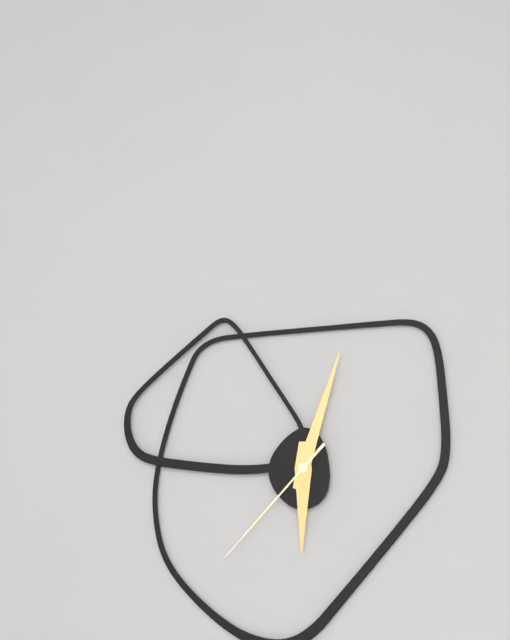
**6:03:37**
